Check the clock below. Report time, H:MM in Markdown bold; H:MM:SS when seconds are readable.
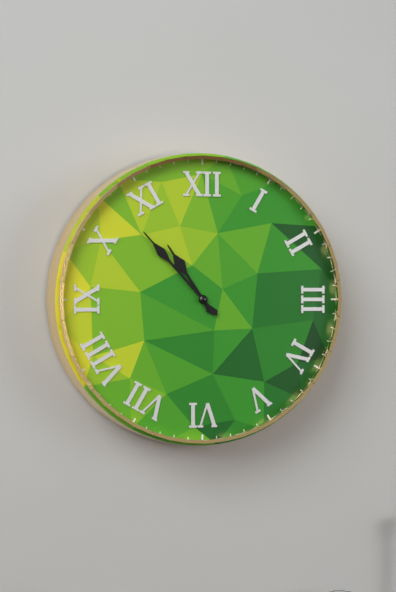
**10:53**
